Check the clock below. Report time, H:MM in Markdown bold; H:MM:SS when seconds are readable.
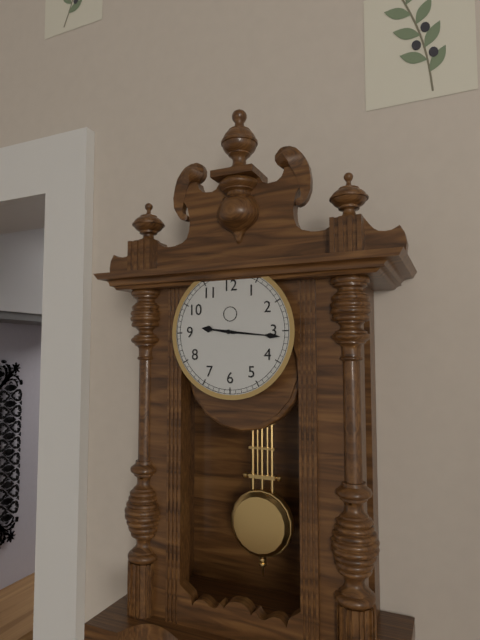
**9:16**
